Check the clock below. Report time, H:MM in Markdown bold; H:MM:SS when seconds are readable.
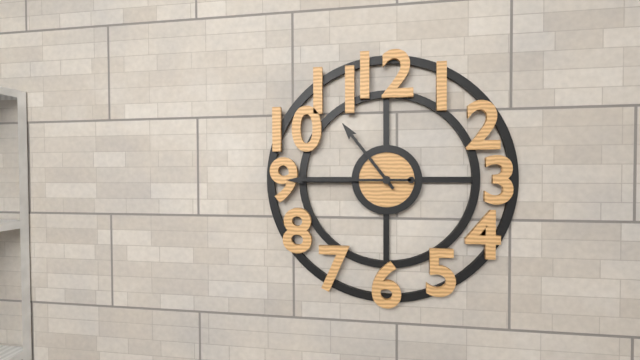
**10:45**
